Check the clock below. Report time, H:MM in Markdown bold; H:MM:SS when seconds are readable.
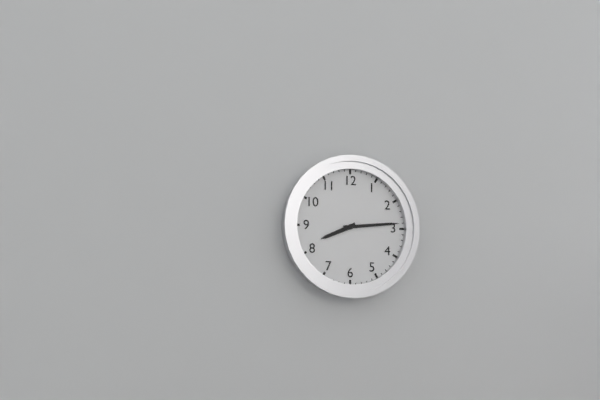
**8:14**
